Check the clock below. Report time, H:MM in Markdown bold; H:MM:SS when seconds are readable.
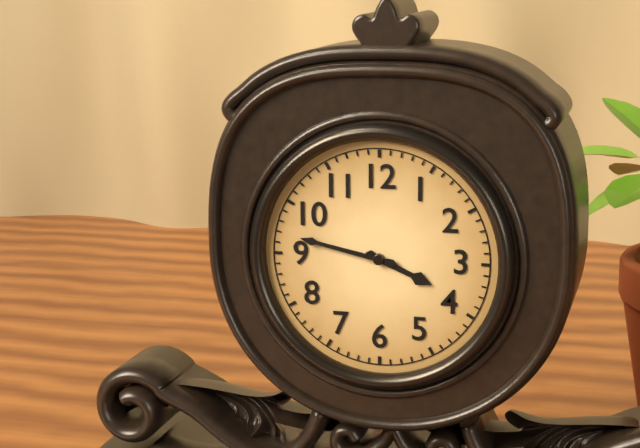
**3:47**
